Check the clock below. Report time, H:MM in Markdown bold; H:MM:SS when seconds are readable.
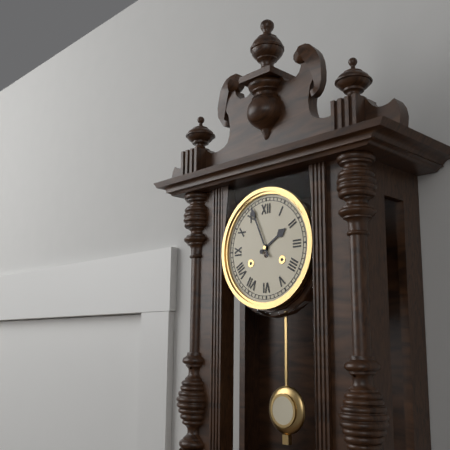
**1:56**
